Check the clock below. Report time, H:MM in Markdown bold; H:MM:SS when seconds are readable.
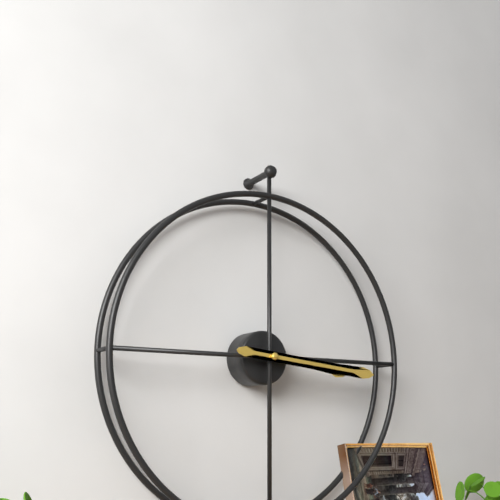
**3:16**
